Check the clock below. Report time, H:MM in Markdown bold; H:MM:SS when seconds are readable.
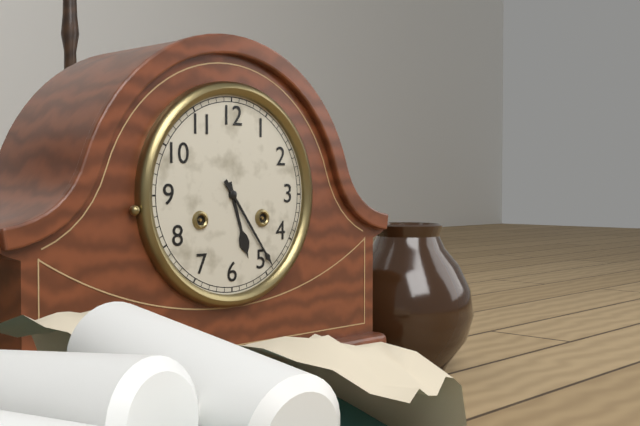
**5:24**
